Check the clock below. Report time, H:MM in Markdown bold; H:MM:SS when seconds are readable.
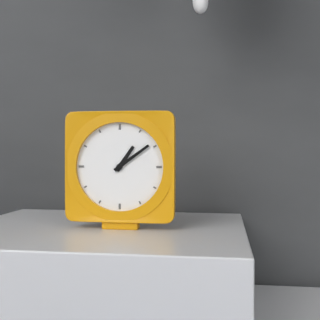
**1:09**
